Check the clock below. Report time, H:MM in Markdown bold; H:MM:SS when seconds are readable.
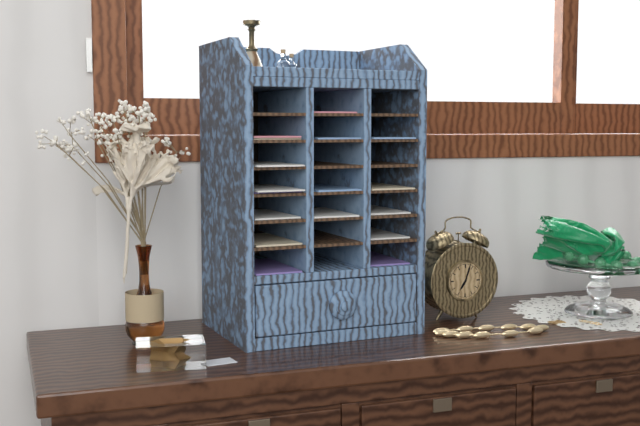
**7:03**
